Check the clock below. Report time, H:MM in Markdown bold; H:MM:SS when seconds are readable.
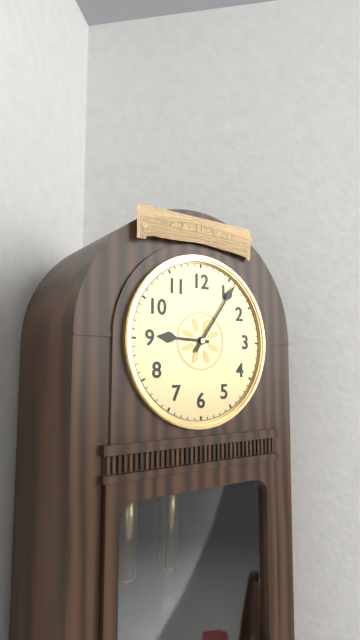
**9:06**
